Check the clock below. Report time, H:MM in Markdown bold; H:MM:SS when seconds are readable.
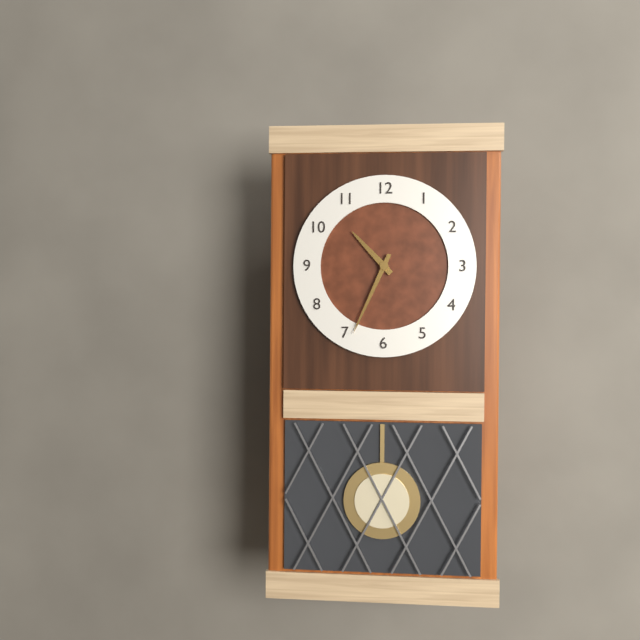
**10:34**
